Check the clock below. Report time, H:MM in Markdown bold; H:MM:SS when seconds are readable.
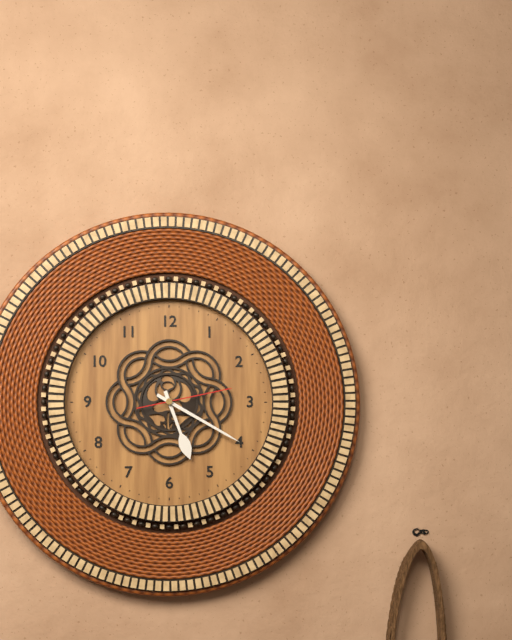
**5:20:13**
